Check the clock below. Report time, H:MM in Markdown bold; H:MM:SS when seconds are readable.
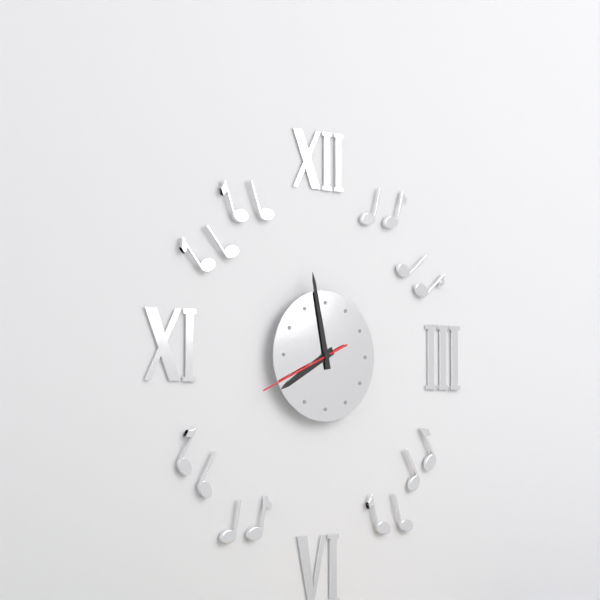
**7:58:41**
